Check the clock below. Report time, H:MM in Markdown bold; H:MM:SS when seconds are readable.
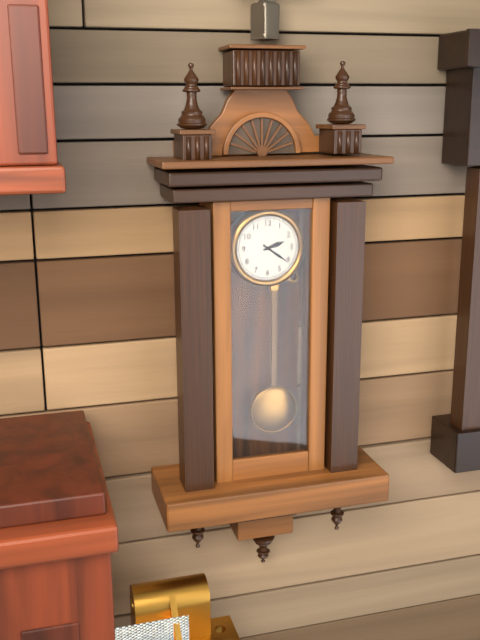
**2:21**
